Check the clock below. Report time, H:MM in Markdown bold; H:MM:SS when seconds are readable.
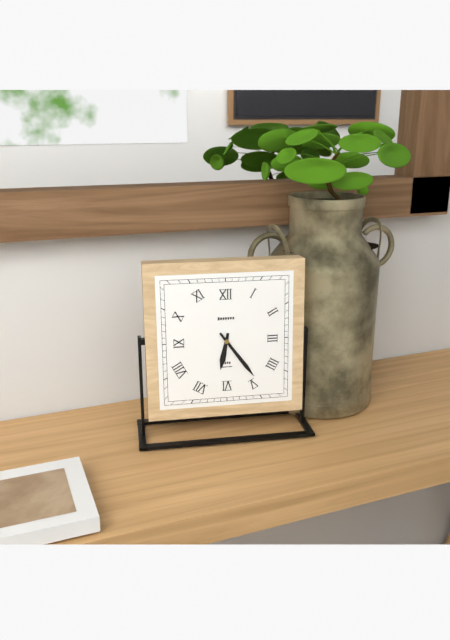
**6:24**
